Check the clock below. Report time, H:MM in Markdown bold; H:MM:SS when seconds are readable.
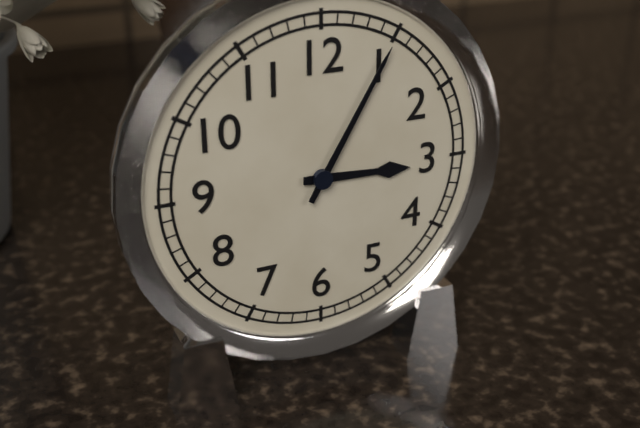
**3:05**
